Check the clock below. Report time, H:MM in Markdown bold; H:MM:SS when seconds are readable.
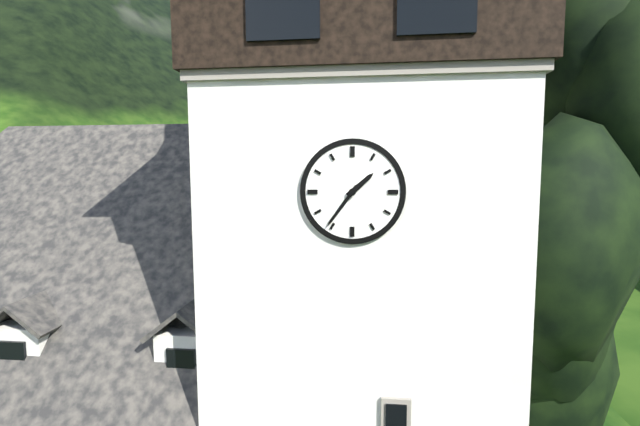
**1:36**
